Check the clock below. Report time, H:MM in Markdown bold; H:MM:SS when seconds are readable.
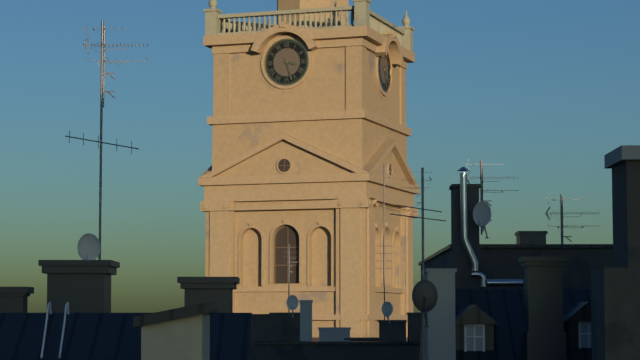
**3:27**
